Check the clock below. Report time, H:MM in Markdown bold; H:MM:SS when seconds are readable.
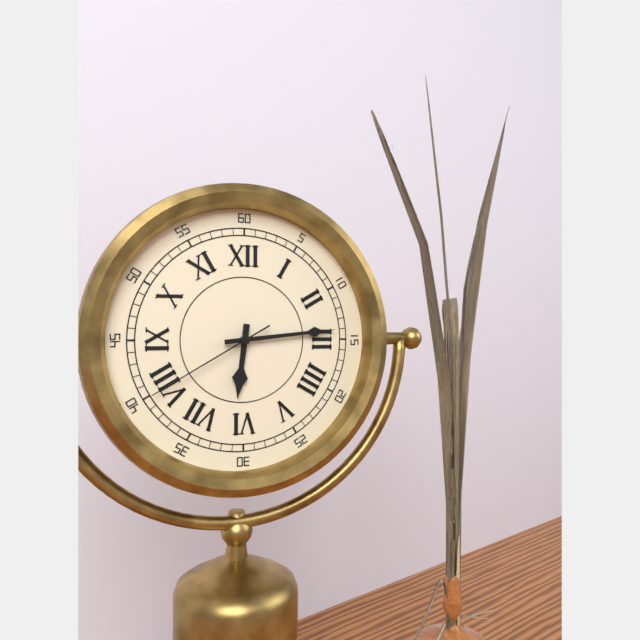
**6:14:40**
